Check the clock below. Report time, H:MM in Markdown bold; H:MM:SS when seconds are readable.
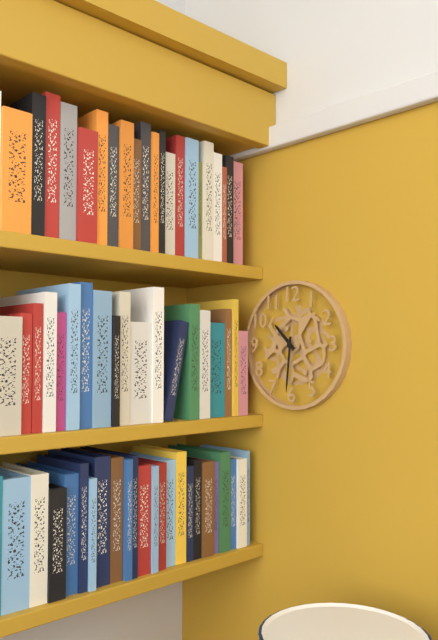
**10:31**
